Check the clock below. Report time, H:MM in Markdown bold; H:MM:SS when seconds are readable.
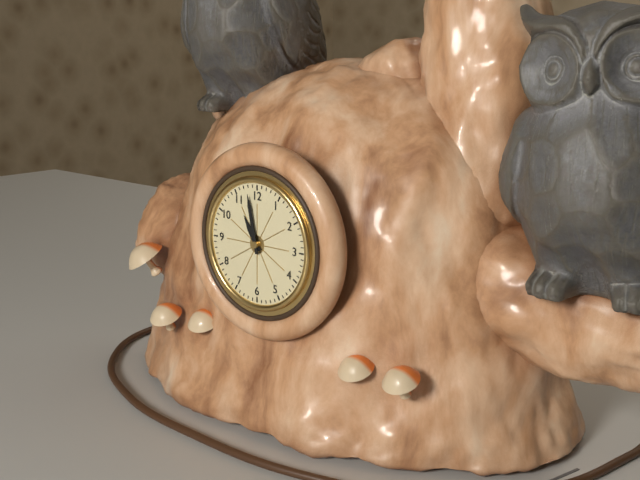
**10:58**
